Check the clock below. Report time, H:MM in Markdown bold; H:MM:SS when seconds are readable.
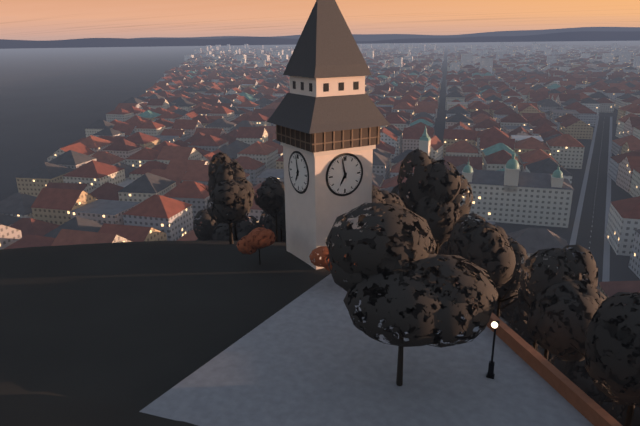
**6:58**
